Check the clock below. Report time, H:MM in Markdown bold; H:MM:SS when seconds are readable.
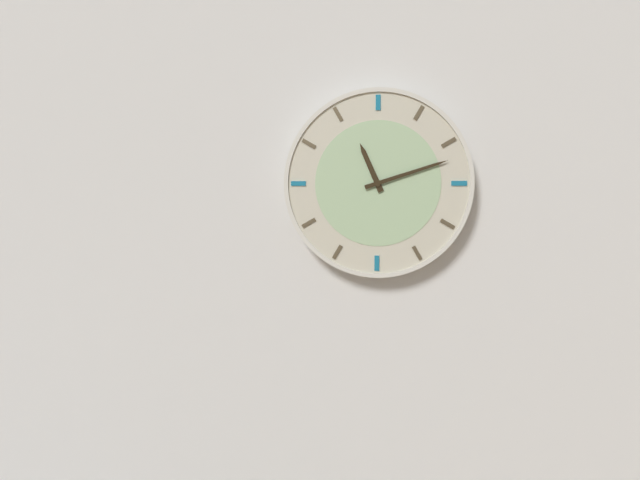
**11:12**
